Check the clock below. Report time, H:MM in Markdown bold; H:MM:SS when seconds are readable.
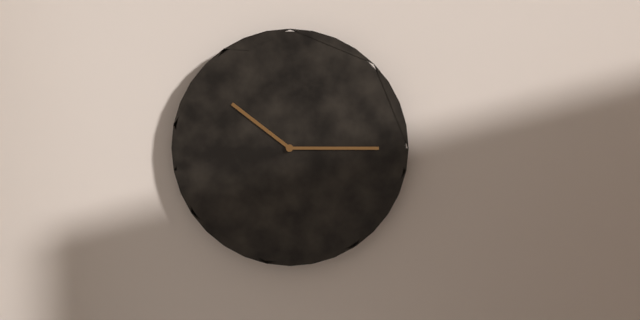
**10:15**
